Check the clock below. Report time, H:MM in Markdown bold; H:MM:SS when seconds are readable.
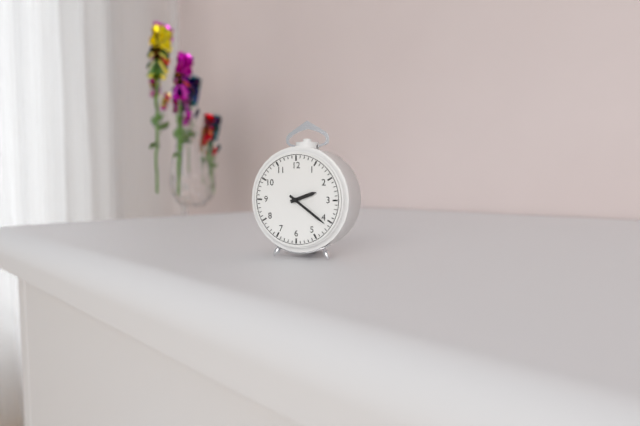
**2:21**
